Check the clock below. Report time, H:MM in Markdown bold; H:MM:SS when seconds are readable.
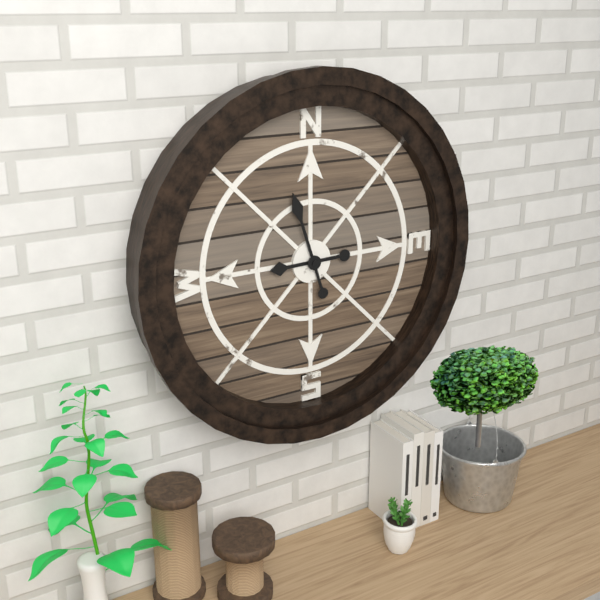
**8:57**
